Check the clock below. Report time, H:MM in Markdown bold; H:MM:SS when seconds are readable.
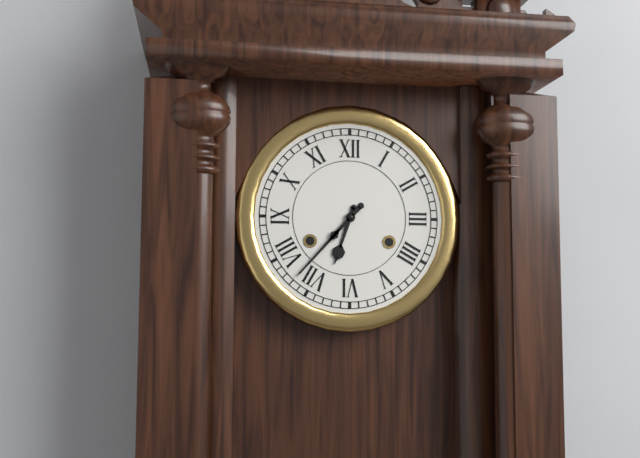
**6:37**
